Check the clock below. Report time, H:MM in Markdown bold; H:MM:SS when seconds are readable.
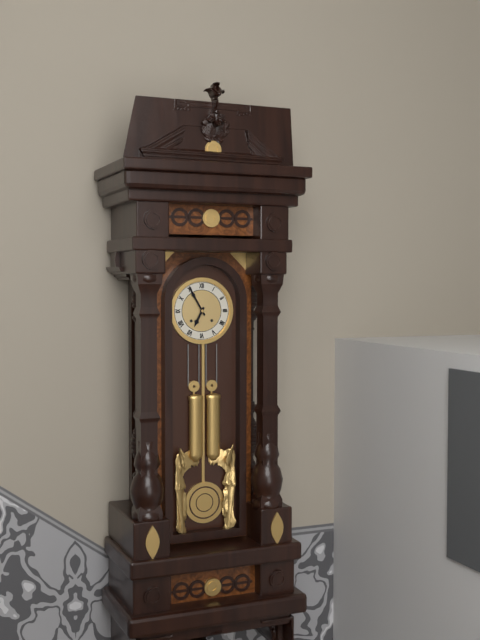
**6:55**
